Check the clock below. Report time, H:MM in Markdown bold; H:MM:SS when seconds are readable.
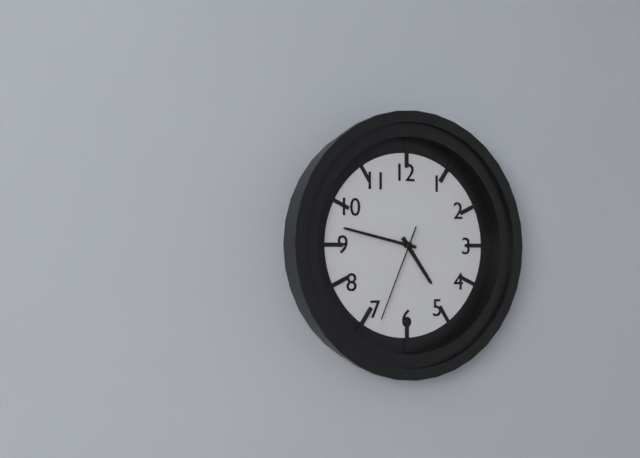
**4:47:34**
